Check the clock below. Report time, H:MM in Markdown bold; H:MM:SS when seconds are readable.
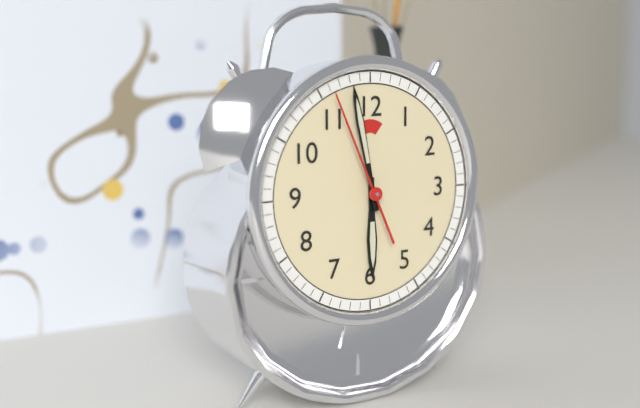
**5:58:56**
